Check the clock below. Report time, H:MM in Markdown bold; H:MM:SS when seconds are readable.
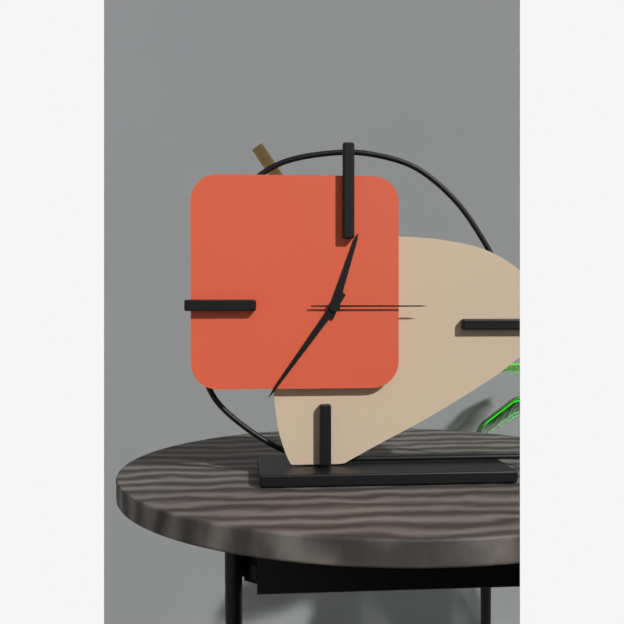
**12:36:15**
